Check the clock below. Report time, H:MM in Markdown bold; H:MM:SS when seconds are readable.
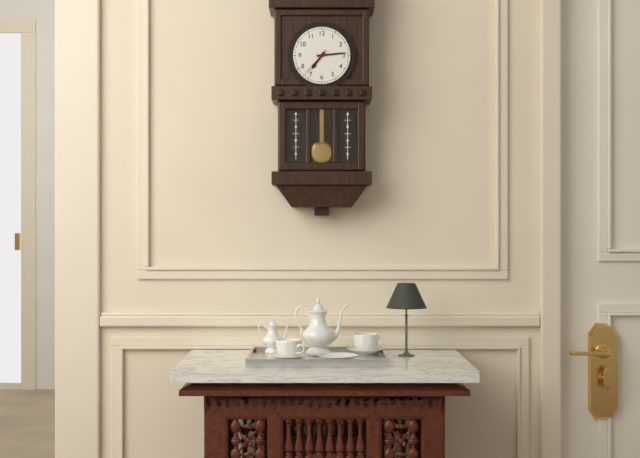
**7:14**
